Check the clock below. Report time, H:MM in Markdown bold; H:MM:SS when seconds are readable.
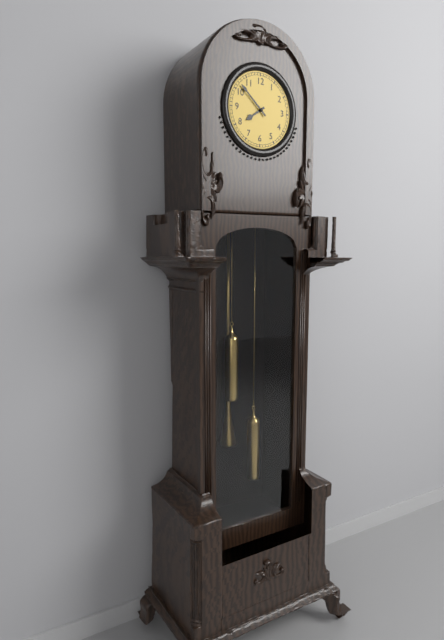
**7:52**
